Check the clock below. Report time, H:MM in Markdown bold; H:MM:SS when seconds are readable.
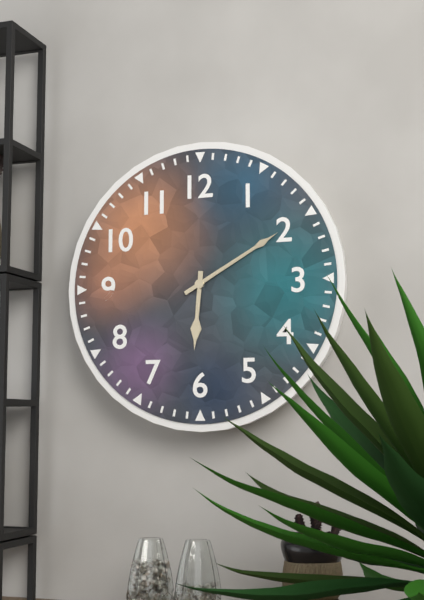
**6:10**
